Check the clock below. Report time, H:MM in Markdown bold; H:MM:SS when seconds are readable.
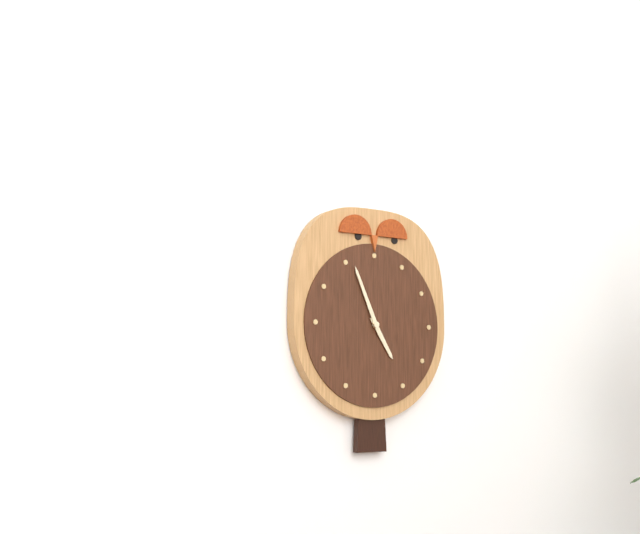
**4:56**
